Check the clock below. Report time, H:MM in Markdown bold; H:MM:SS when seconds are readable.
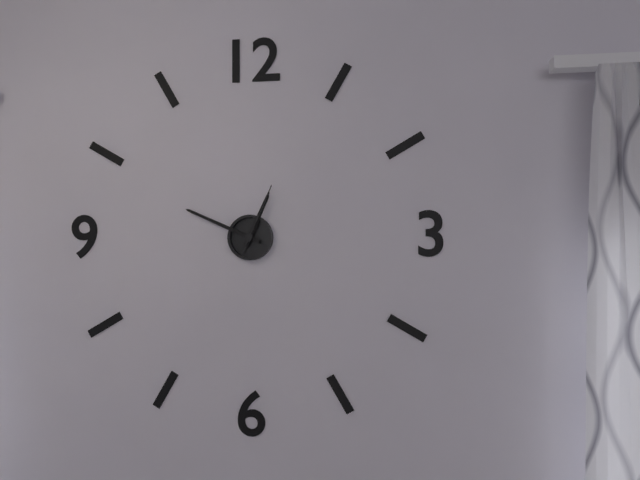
**12:49:04**
